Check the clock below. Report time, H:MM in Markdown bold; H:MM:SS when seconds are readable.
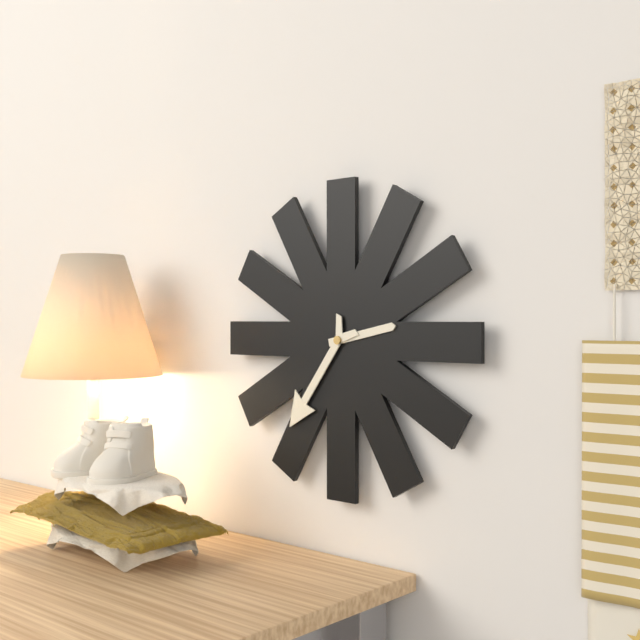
**2:36**
